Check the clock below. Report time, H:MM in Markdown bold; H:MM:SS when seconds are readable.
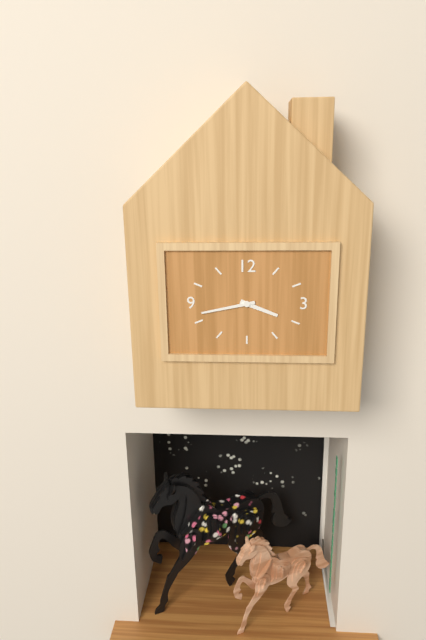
**3:43**
